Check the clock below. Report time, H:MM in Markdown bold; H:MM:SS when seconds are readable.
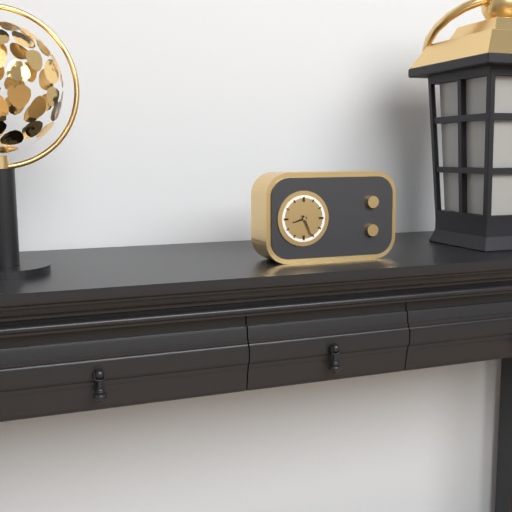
**8:26**
